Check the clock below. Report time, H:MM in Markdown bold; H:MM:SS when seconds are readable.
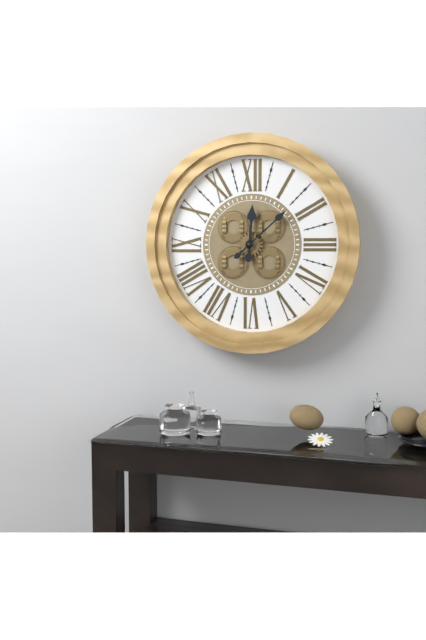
**12:08**
